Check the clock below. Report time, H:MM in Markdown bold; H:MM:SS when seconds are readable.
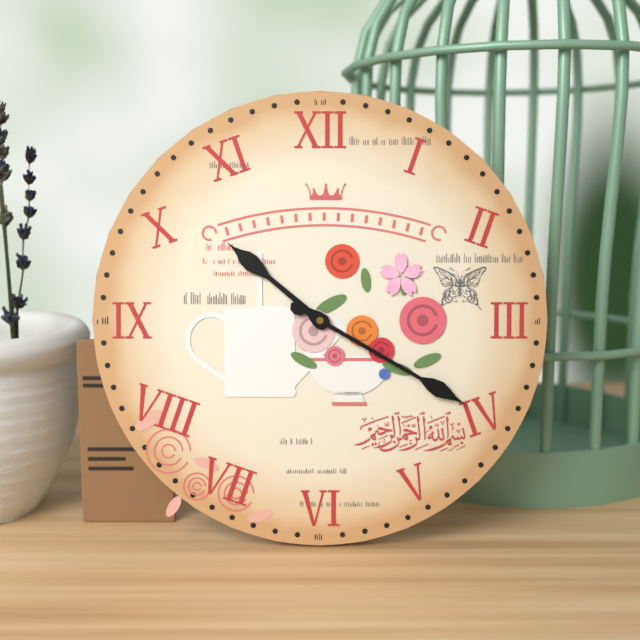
**10:20**
